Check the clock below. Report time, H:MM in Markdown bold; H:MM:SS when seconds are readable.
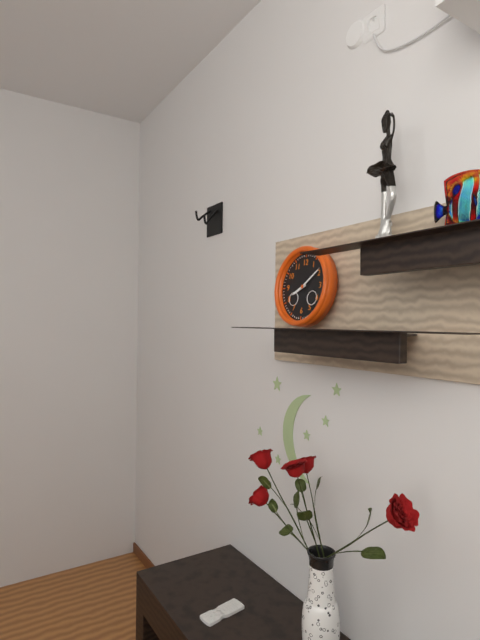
**8:09**
